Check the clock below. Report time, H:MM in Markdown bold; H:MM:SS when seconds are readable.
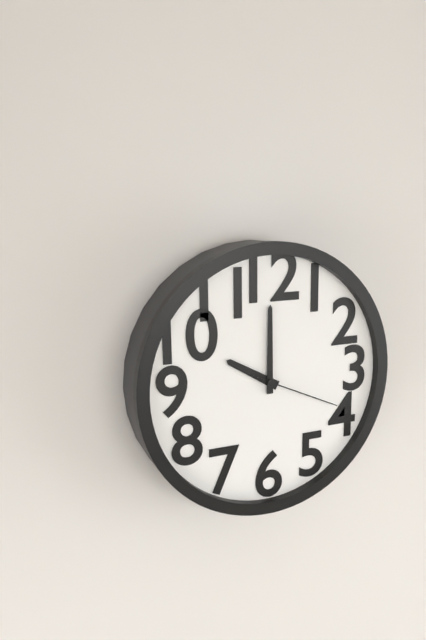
**10:00:19**
